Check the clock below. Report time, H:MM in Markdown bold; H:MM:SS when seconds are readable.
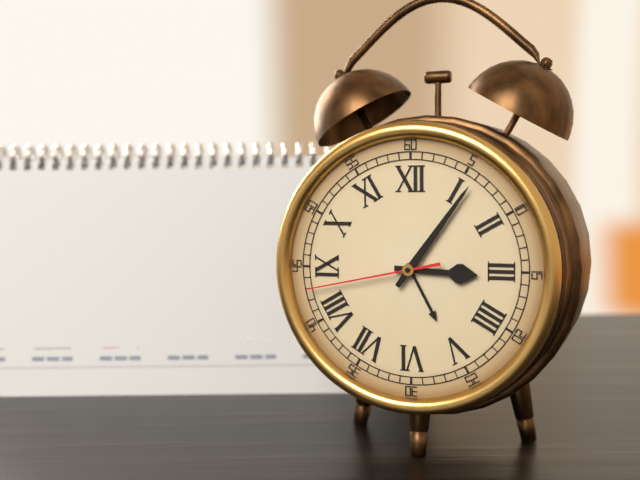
**3:06:43**
